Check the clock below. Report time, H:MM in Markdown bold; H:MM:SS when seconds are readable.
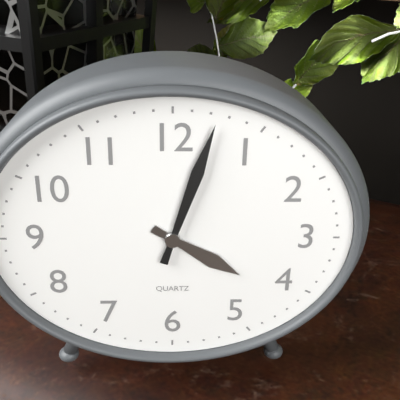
**4:03**
